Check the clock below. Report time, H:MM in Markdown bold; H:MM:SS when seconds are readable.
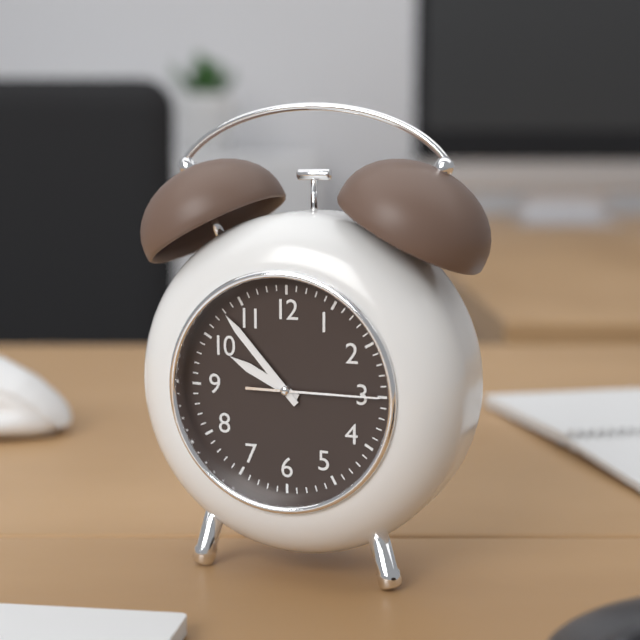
**9:53:15**
